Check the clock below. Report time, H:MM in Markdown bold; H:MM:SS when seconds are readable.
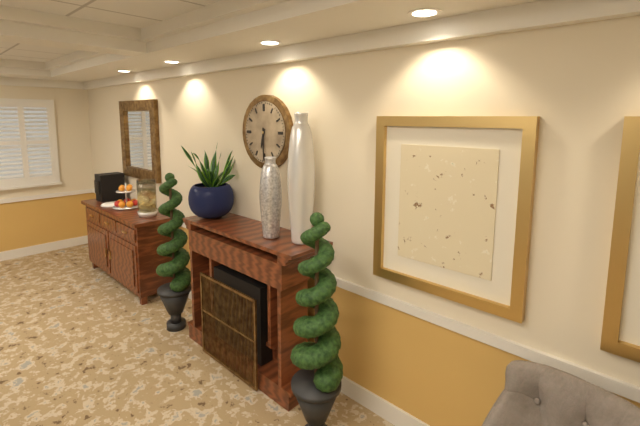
**6:30**
